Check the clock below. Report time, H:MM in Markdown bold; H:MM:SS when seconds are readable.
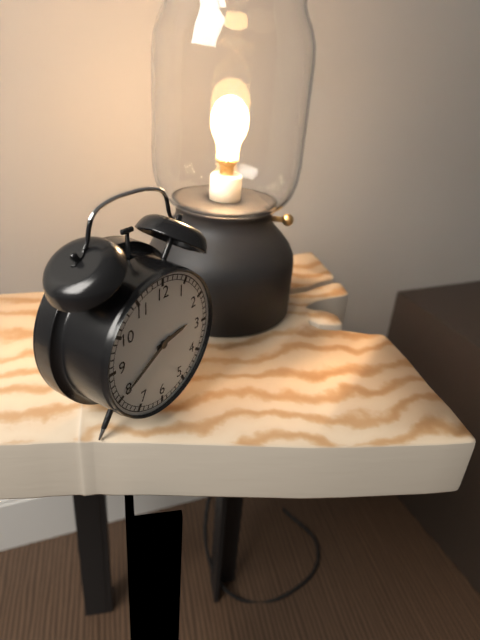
**2:40**
